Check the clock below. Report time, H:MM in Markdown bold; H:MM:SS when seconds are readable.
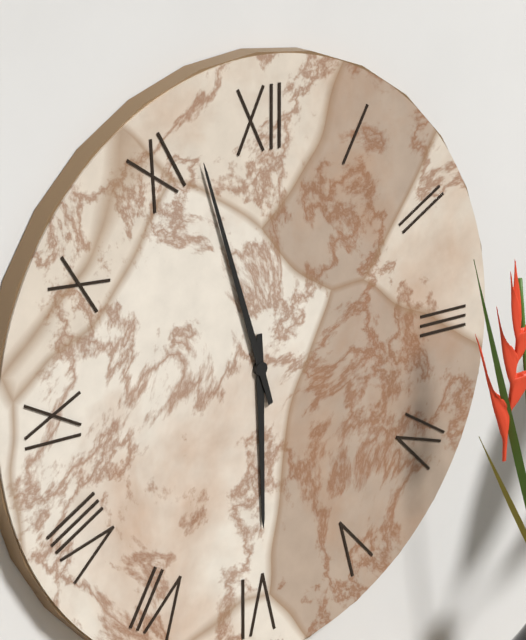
**5:57**
